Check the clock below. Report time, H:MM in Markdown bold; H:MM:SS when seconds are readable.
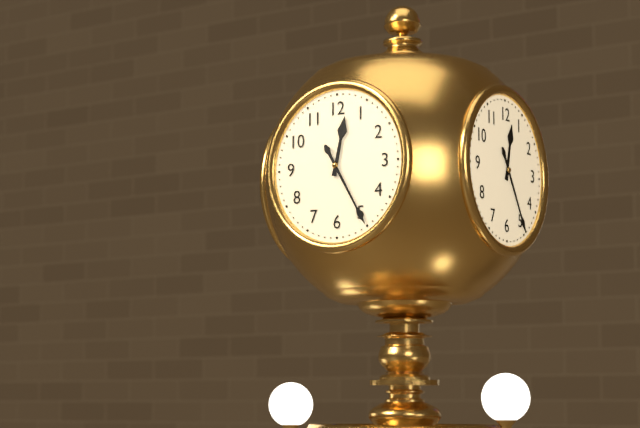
**12:25**
